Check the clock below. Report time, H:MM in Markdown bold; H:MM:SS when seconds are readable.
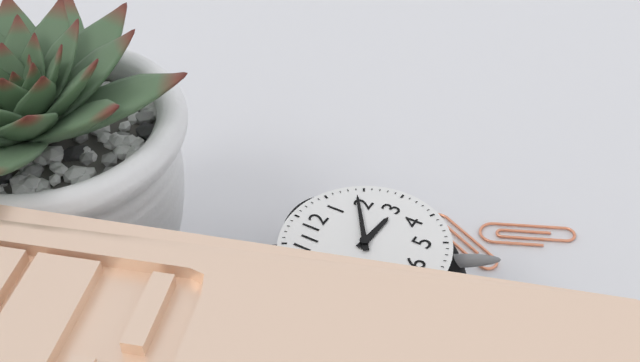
**3:09**
